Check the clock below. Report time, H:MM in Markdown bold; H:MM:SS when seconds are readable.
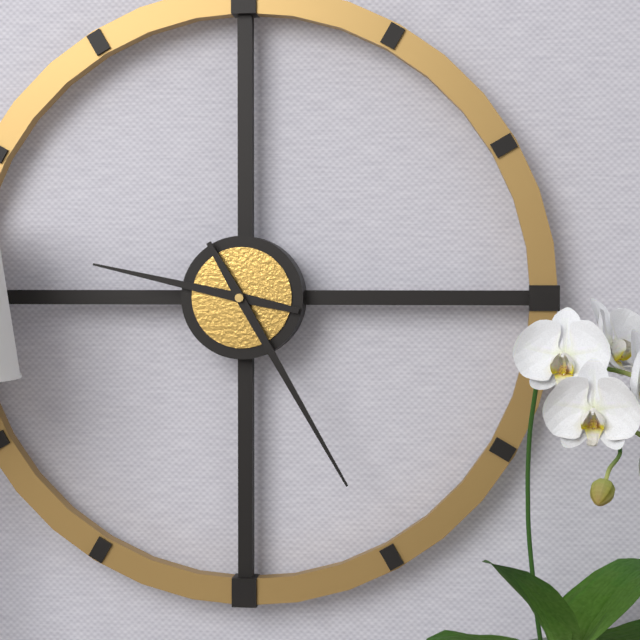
**9:25**
